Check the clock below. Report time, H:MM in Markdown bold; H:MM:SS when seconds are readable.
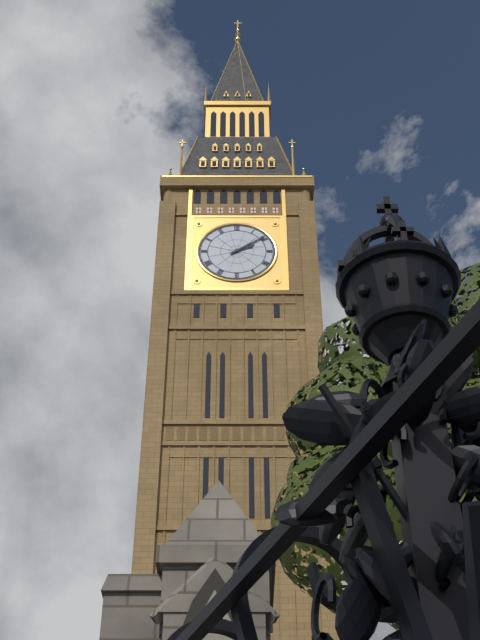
**2:09**
